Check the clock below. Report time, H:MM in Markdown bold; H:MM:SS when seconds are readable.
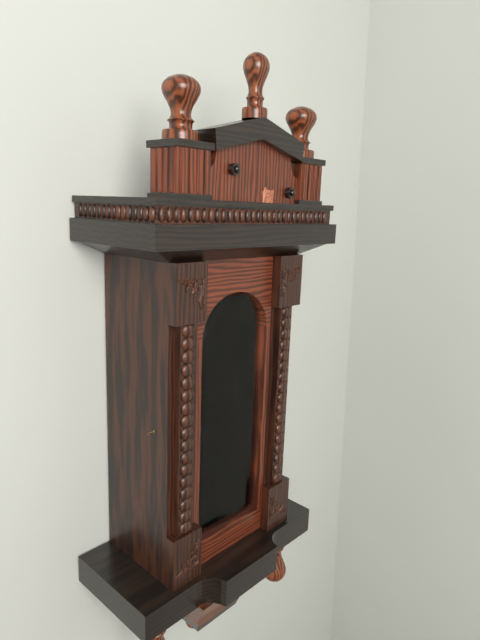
**8:37**
